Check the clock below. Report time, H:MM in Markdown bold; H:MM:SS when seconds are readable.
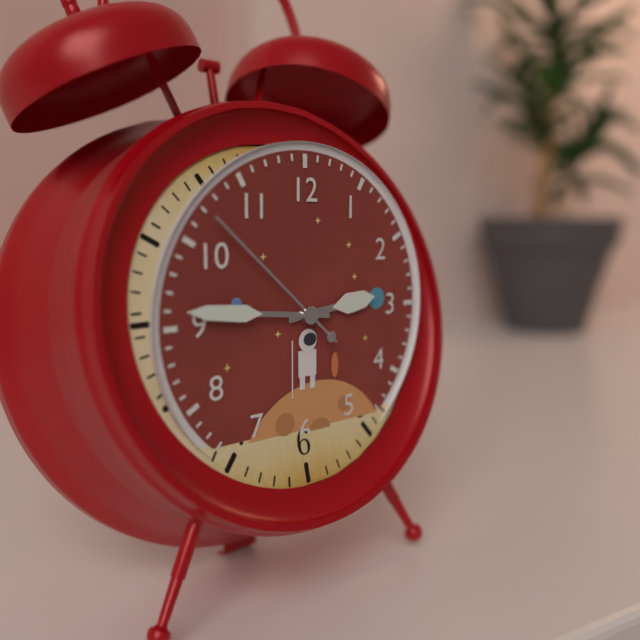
**2:46:52**
